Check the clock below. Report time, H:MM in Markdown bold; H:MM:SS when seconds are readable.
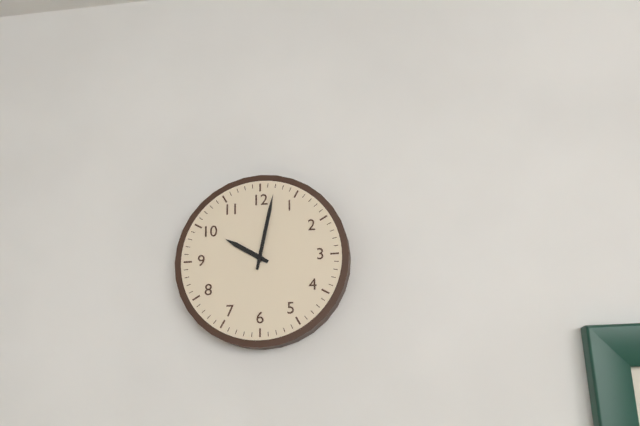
**10:02**
